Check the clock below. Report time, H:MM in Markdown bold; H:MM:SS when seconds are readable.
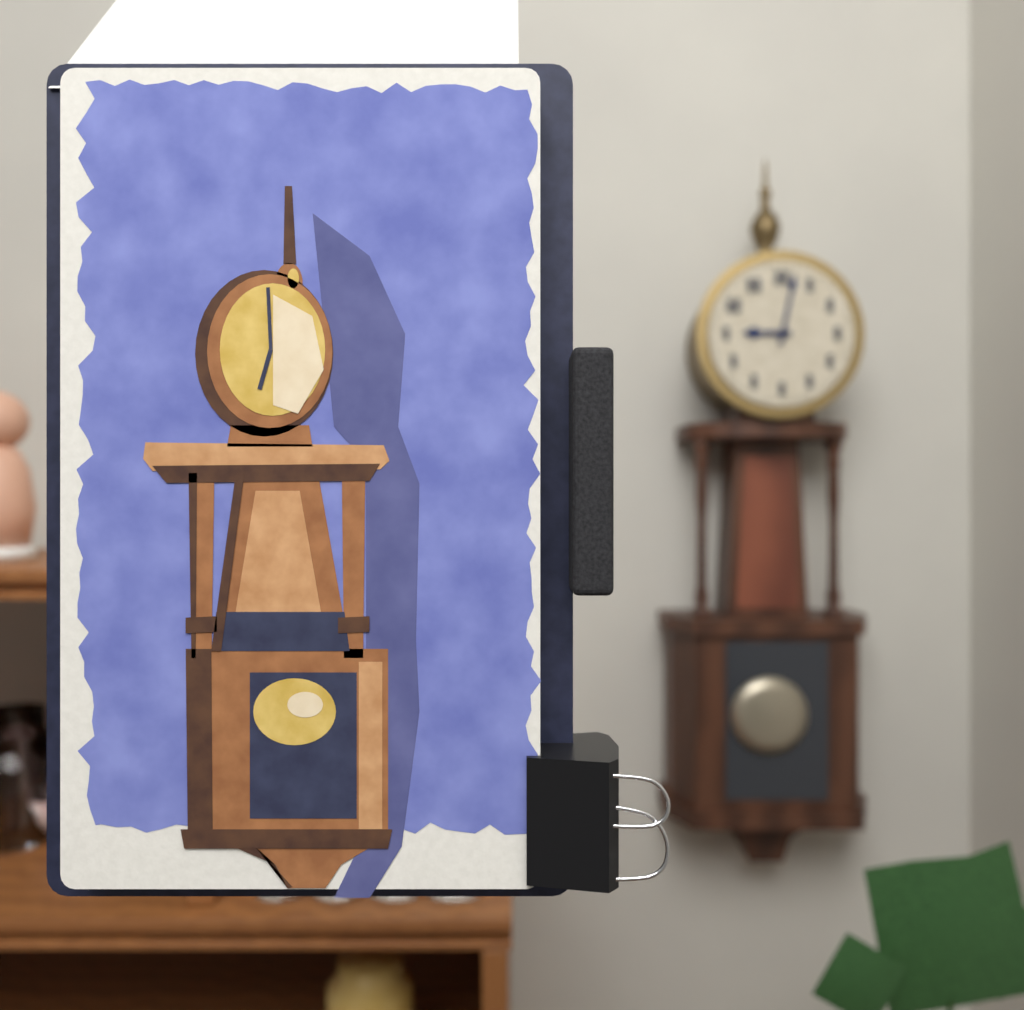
**9:02**
